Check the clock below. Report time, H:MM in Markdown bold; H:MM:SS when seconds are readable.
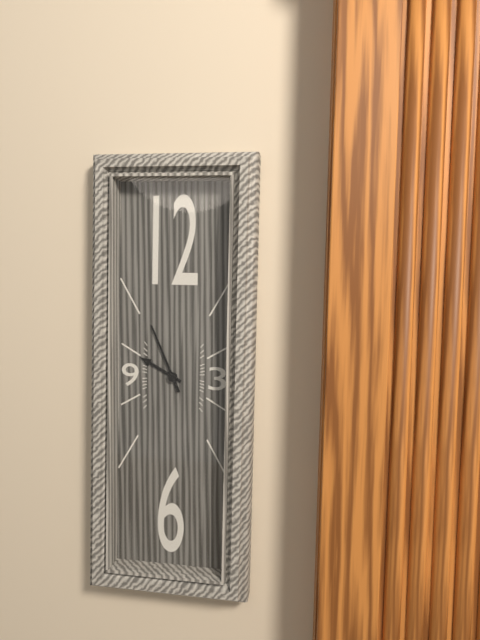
**9:56**
